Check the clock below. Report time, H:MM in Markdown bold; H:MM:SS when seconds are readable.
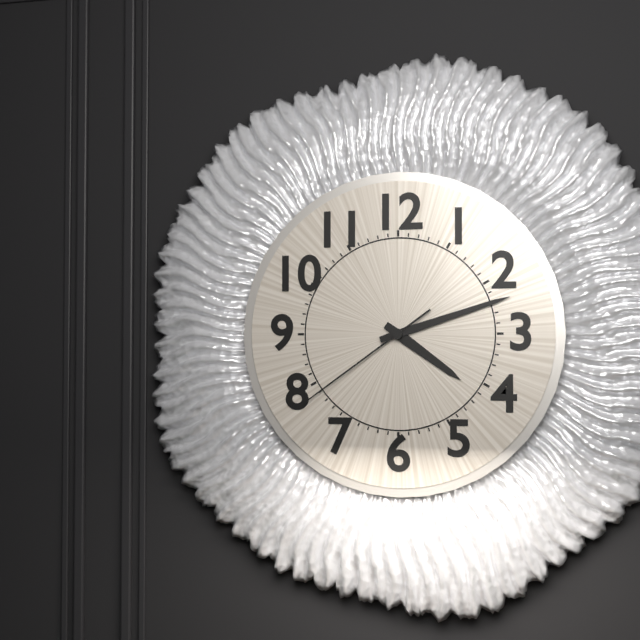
**4:12:39**
